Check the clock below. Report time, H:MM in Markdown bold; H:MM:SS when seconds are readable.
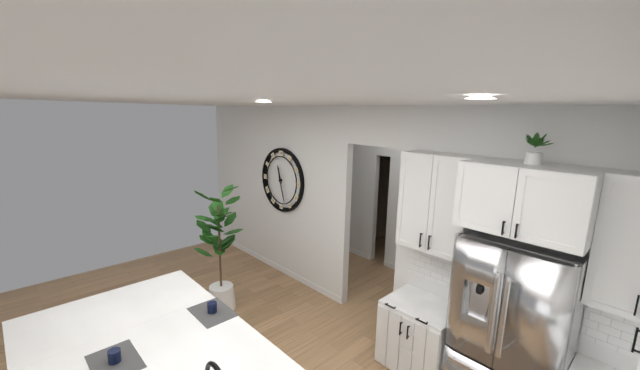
**11:27**
